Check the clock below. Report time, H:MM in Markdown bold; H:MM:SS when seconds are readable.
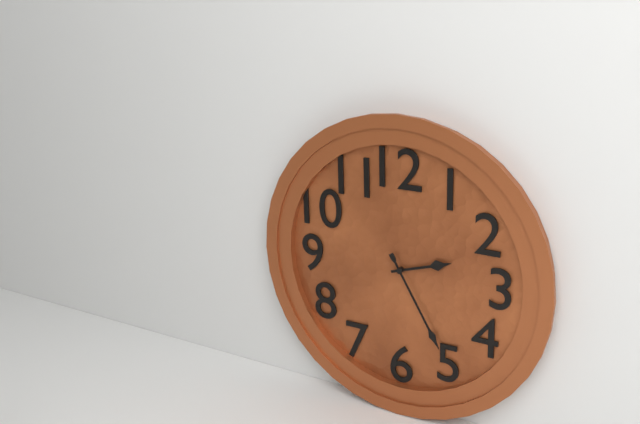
**2:25**
